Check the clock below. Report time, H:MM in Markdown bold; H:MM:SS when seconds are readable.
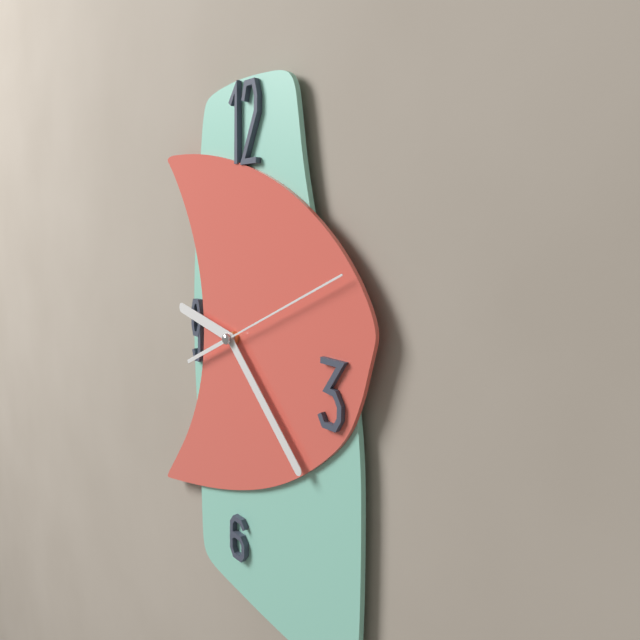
**9:22:11**
